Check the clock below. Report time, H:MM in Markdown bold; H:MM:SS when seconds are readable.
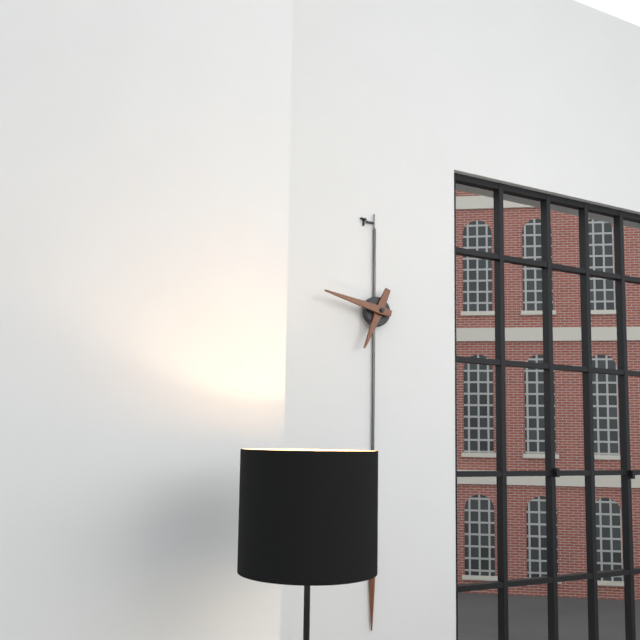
**6:47**
